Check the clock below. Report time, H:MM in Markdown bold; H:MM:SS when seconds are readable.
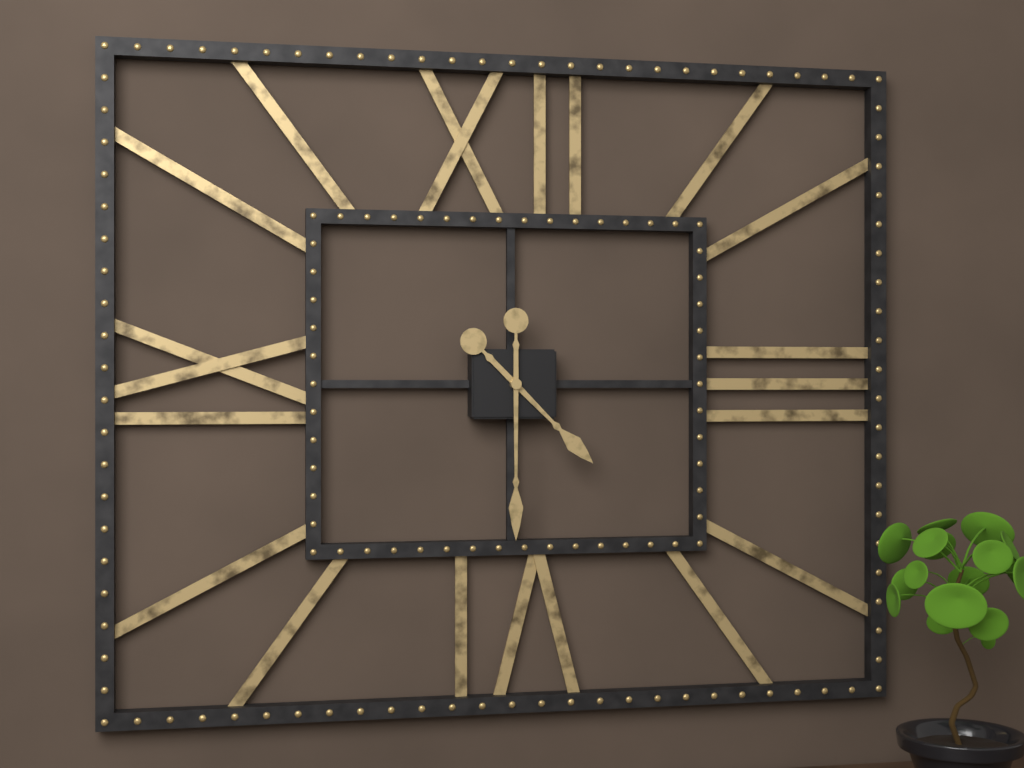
**4:30**
